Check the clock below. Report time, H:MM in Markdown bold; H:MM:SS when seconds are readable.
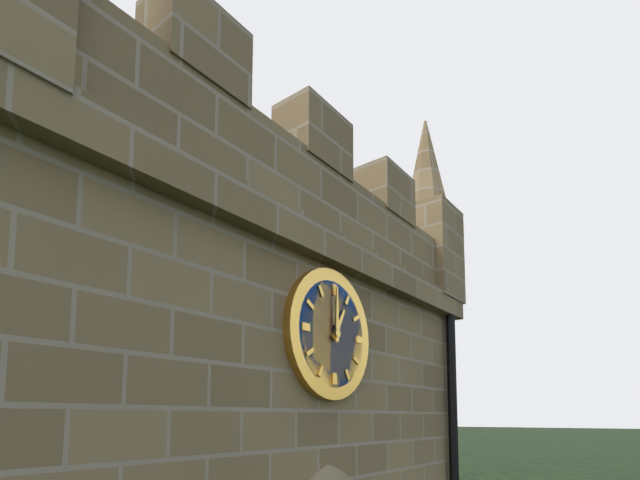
**1:00**
